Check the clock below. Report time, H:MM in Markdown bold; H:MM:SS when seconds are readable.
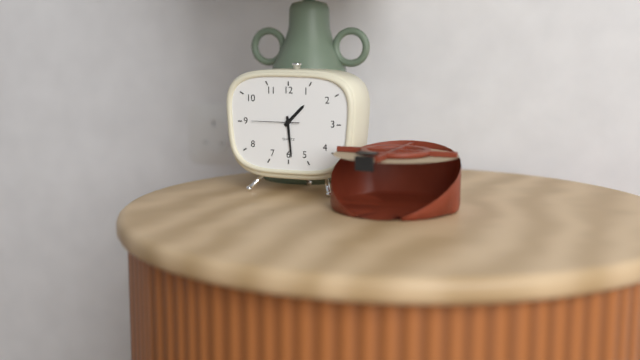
**1:29**
